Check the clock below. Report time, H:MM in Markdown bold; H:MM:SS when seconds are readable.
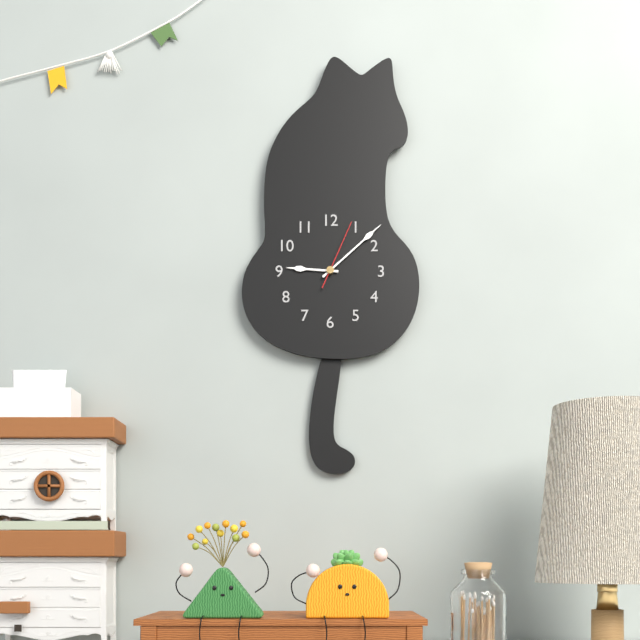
**9:08:04**
